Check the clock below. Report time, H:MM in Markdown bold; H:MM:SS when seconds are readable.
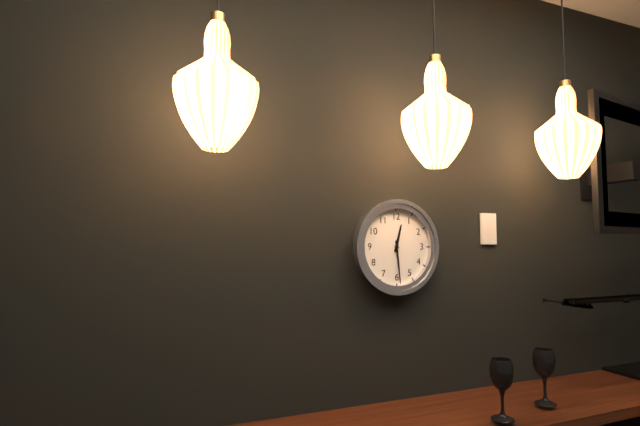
**12:29**
